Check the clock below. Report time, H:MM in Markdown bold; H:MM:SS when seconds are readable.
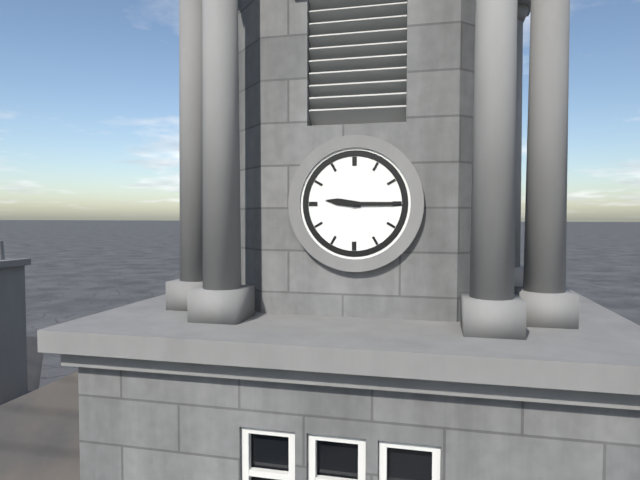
**9:15**
